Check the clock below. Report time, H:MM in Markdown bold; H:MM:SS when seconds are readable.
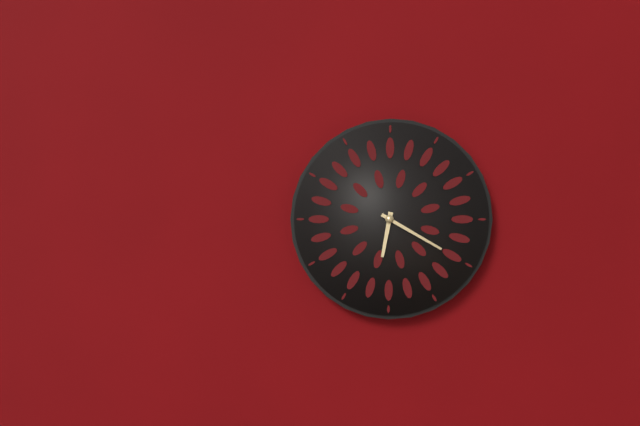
**6:20**
